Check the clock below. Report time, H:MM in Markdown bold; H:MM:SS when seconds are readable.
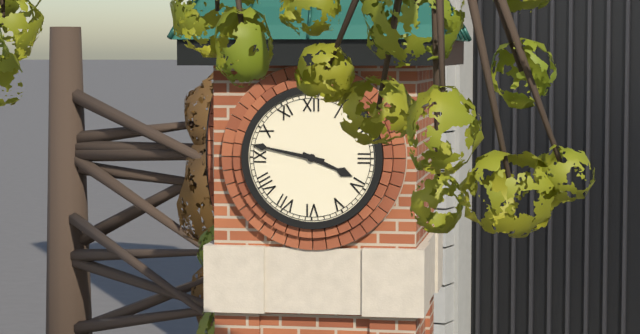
**3:47**
